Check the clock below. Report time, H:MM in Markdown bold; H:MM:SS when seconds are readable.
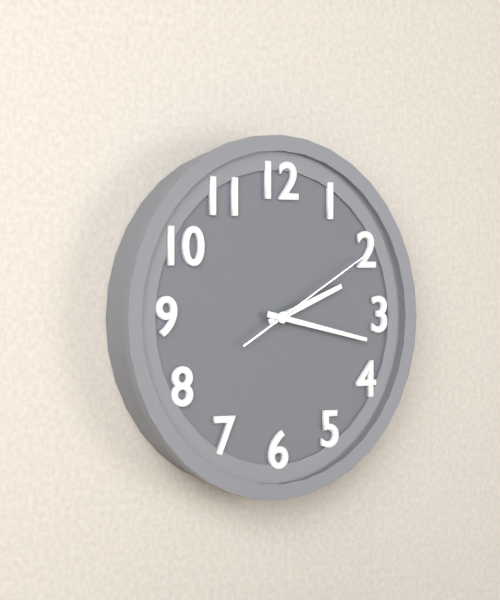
**2:17:10**
